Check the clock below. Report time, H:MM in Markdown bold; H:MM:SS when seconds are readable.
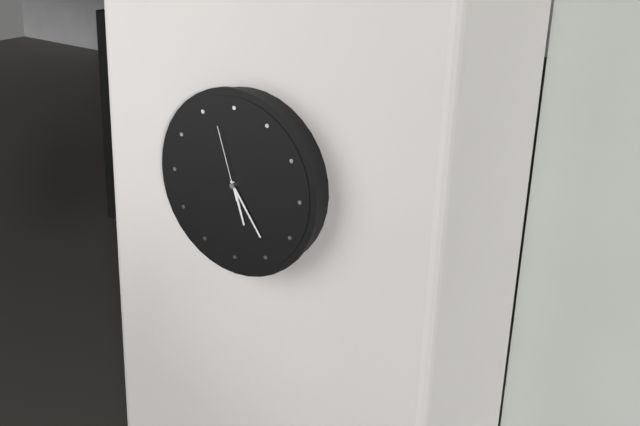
**5:24:57**
